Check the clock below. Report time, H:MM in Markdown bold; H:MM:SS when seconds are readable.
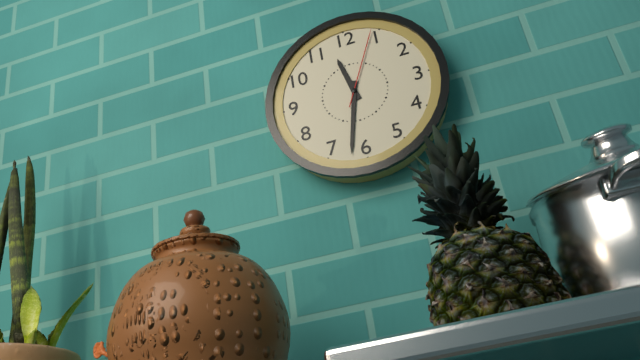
**11:32:04**
